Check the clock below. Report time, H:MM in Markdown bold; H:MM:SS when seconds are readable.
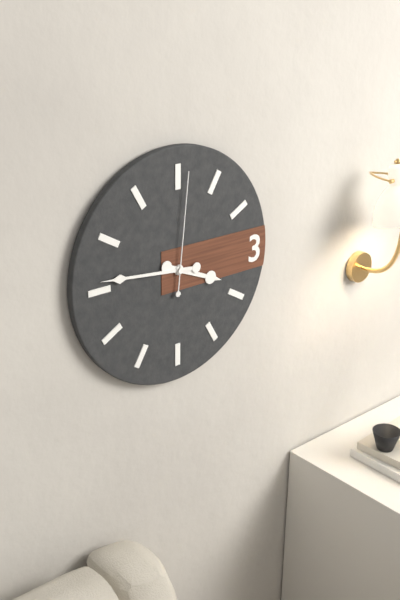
**3:46:01**
